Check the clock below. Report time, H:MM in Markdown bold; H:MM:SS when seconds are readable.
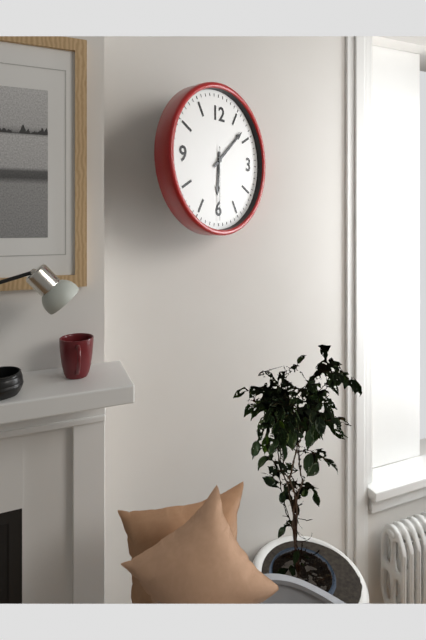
**6:08:30**
